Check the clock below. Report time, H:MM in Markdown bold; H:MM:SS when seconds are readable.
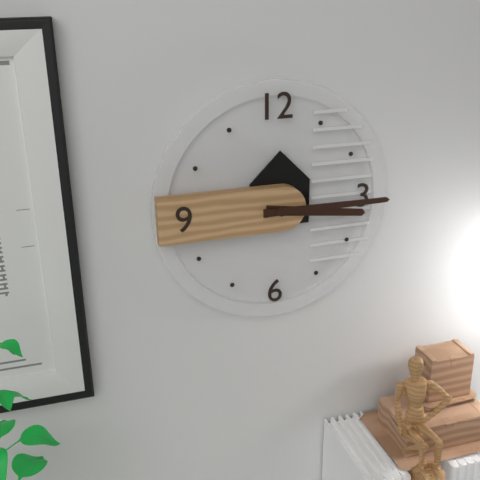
**3:15**
